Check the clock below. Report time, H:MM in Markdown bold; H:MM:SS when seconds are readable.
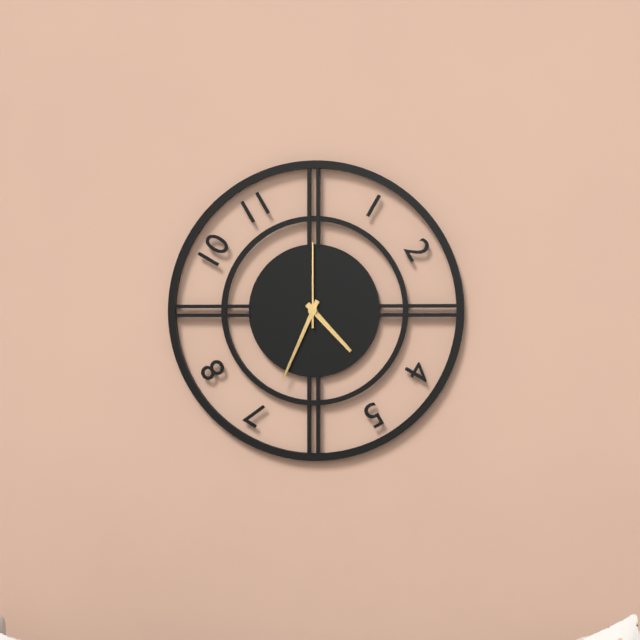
**4:34:00**
